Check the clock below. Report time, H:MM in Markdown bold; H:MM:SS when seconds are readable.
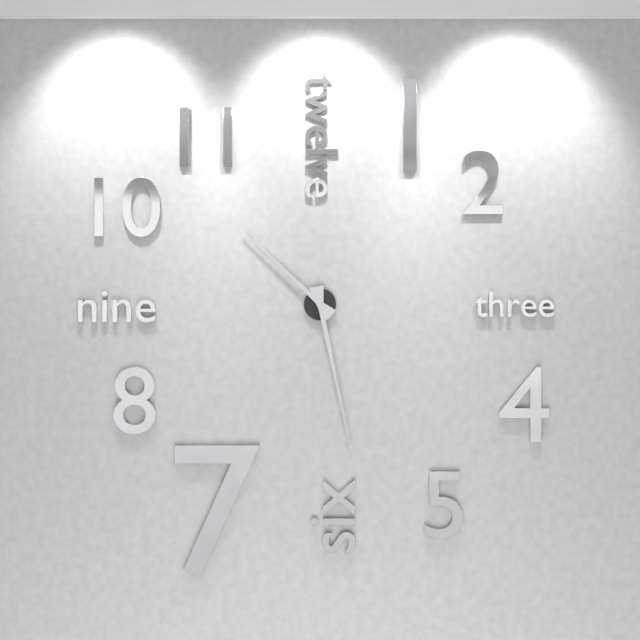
**10:28**
